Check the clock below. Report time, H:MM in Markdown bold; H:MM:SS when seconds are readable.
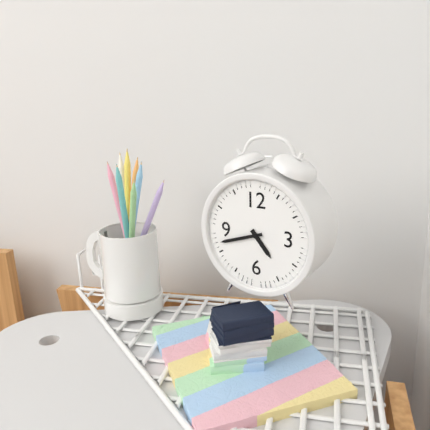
**4:42**
